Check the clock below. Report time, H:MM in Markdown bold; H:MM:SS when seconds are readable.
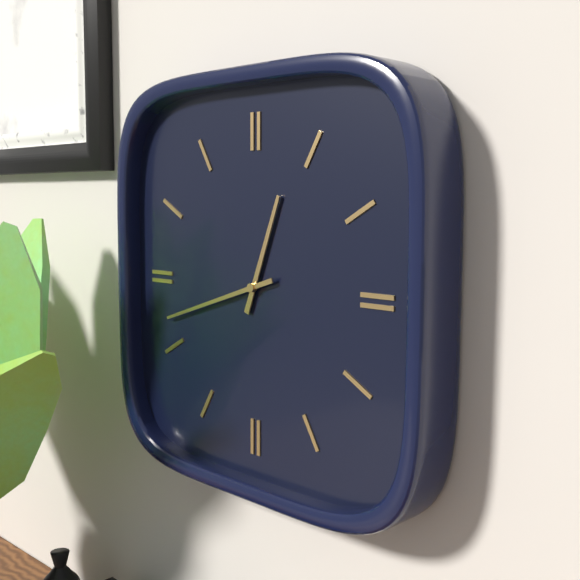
**12:42**
